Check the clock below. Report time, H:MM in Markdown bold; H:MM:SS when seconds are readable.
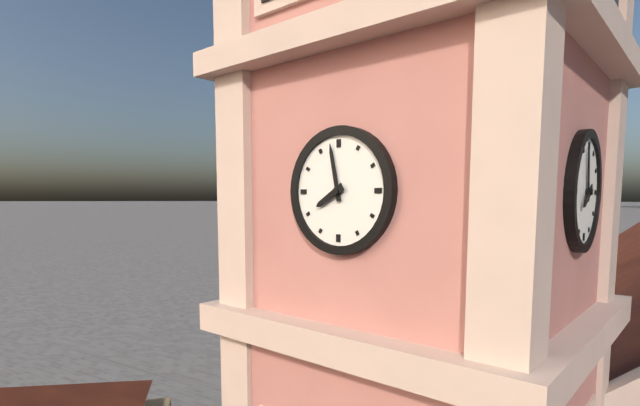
**7:58**
